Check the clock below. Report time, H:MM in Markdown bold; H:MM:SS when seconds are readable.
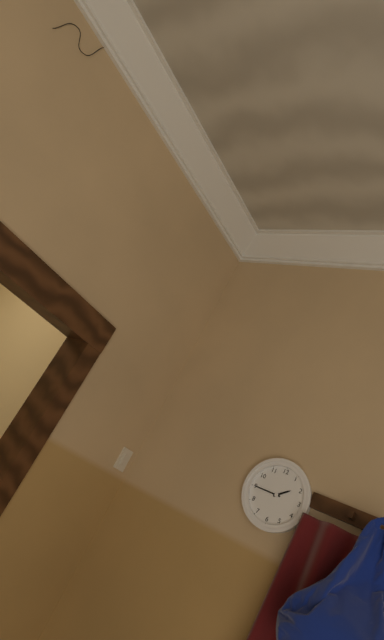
**1:45**
